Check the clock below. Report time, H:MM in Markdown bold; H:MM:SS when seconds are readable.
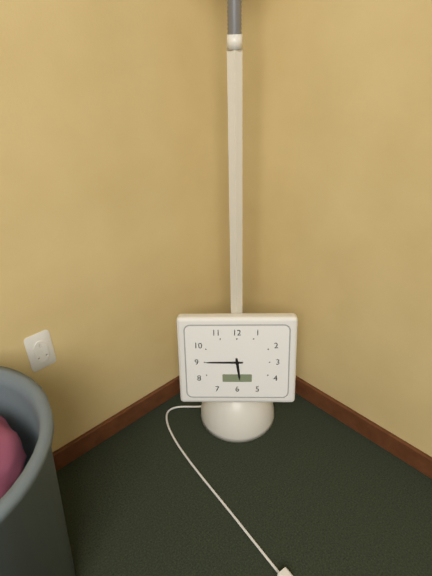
**5:45**
